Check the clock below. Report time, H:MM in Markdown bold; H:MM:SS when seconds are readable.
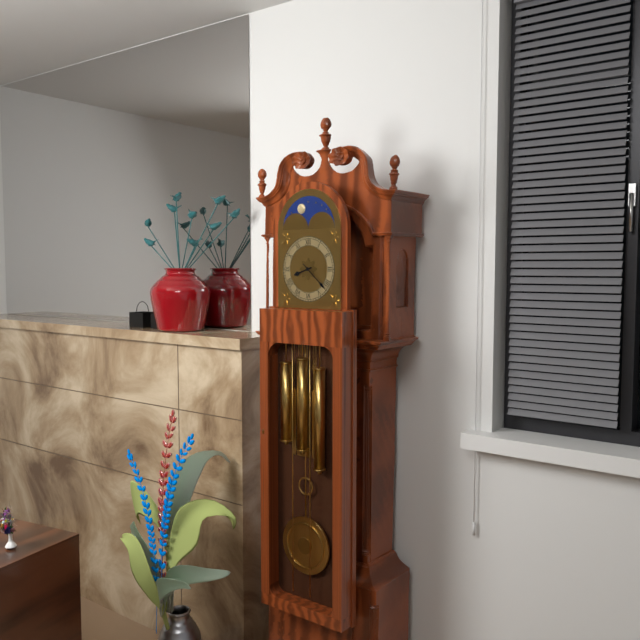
**8:22**
